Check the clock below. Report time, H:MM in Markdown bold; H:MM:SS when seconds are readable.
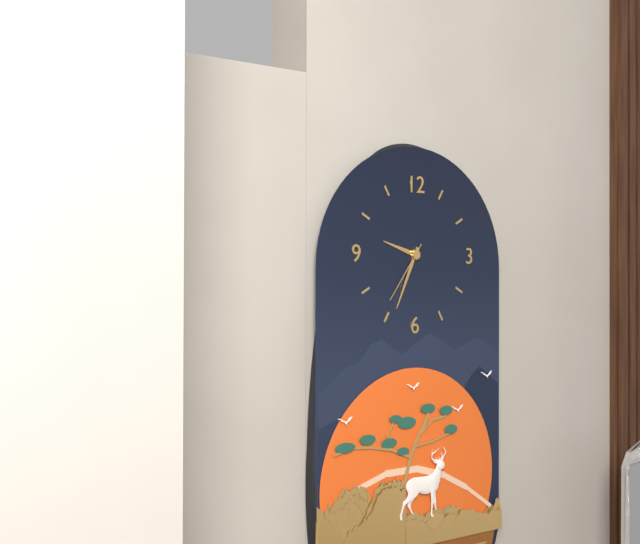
**9:34:36**
